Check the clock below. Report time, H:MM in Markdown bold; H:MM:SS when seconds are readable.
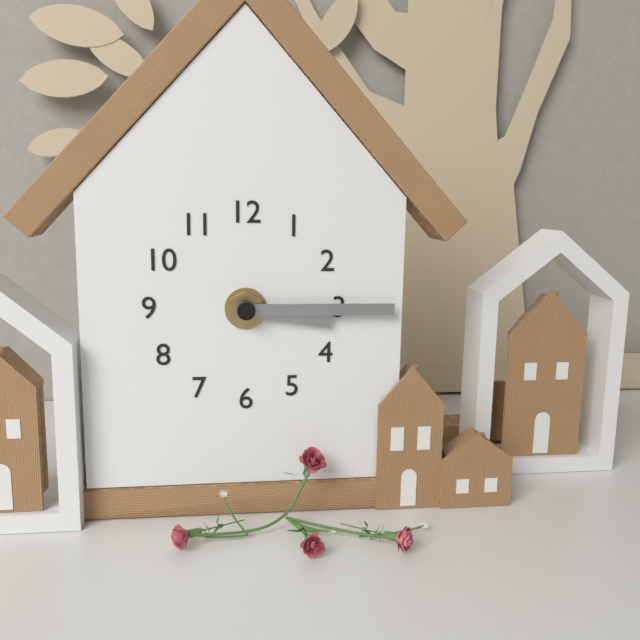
**3:15**
